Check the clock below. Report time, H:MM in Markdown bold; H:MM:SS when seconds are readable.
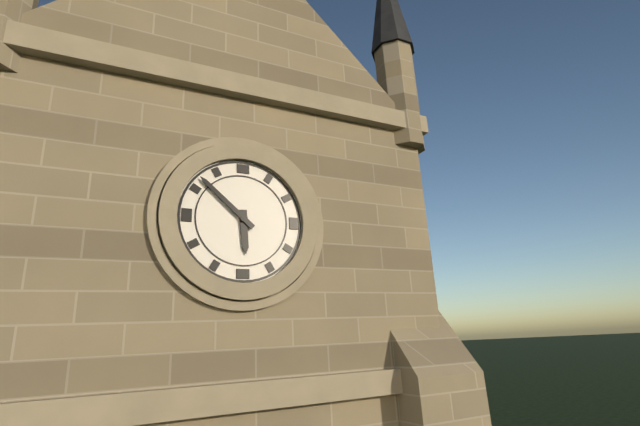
**5:52**
